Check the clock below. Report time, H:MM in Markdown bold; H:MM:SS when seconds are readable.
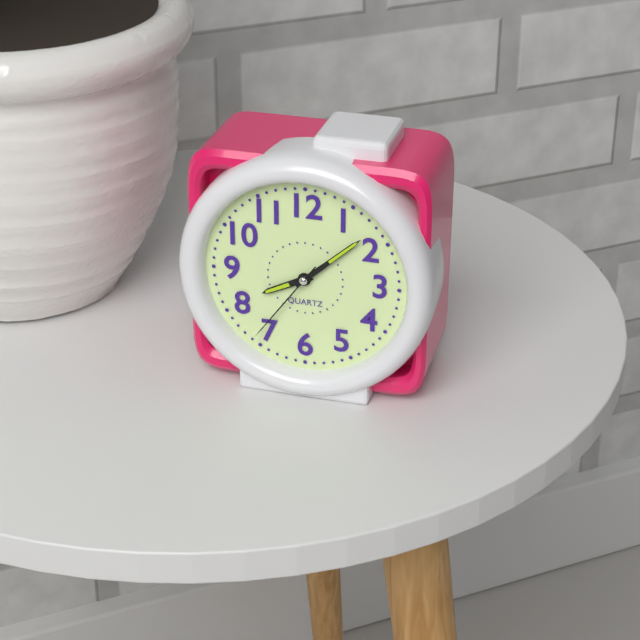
**8:08:36**
